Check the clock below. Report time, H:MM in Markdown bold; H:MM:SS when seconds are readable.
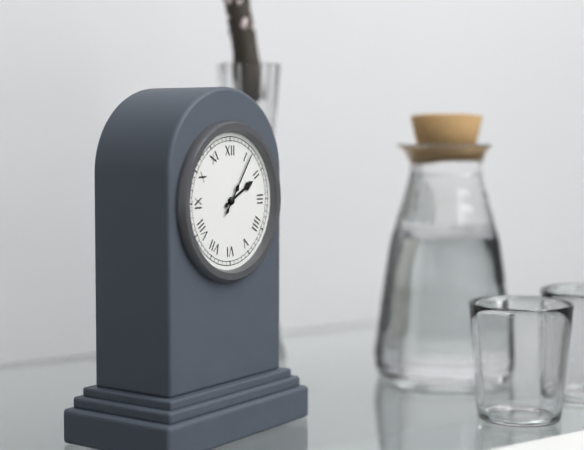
**2:06**
